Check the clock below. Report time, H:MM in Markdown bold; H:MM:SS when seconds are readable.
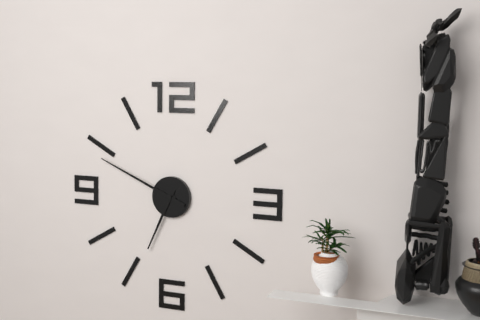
**6:49**
